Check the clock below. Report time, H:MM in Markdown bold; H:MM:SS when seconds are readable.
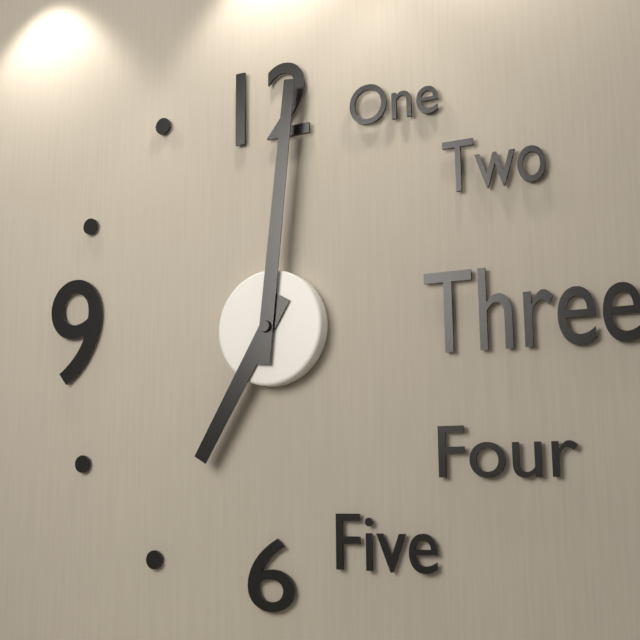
**7:01**
